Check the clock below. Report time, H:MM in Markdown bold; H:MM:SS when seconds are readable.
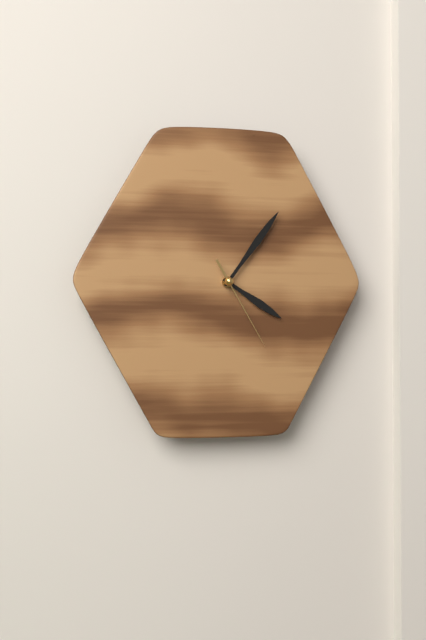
**4:06:25**
